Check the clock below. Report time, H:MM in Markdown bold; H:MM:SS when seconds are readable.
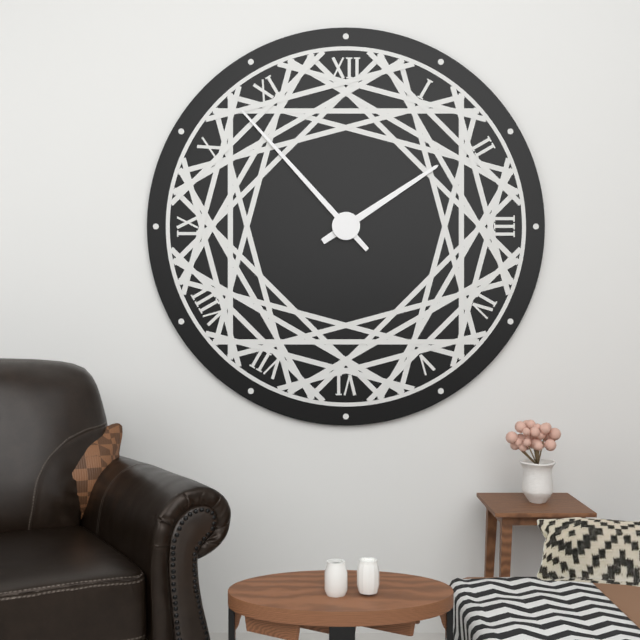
**1:53**
